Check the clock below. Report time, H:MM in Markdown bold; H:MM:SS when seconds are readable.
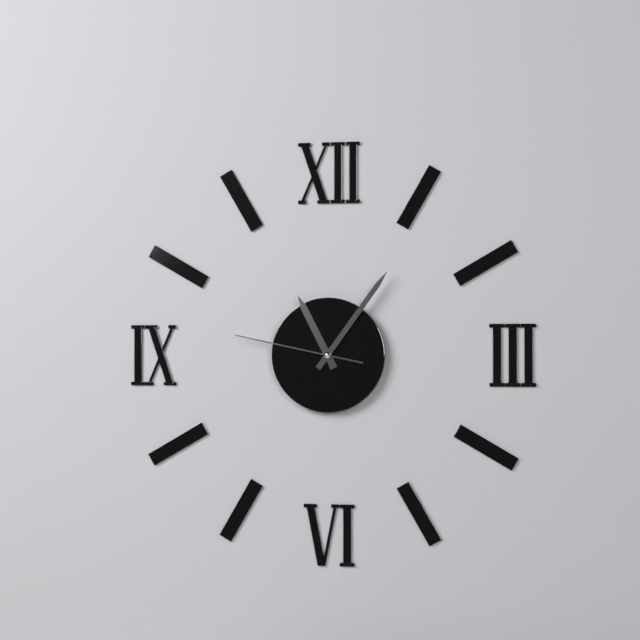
**11:06:47**
